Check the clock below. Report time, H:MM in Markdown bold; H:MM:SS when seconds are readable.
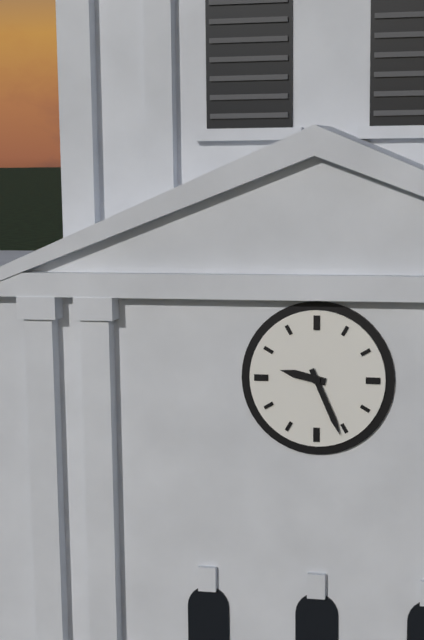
**9:26**
